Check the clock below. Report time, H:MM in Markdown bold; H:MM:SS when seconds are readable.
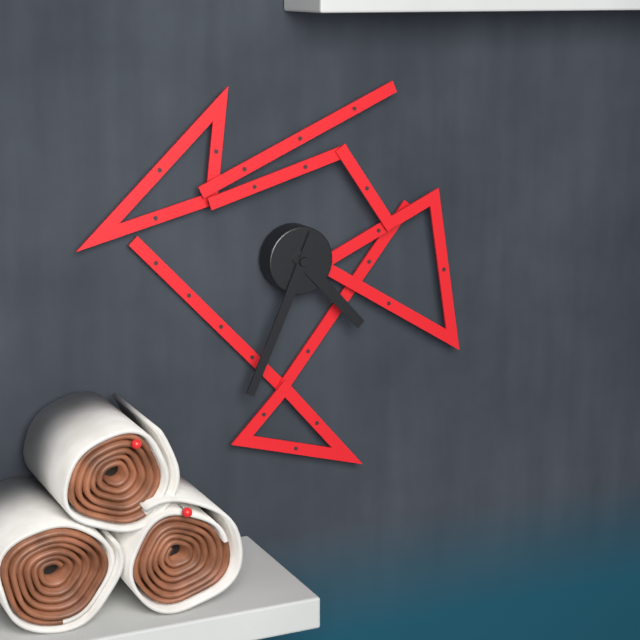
**4:34**
